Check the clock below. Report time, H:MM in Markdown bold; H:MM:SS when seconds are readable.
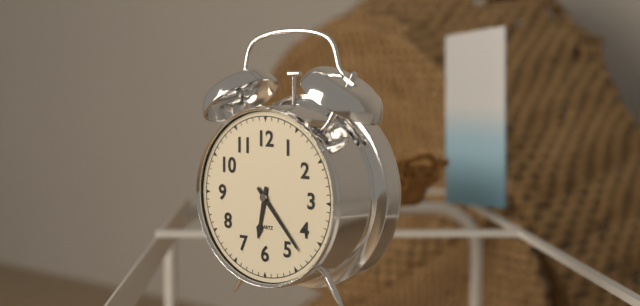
**6:23**
